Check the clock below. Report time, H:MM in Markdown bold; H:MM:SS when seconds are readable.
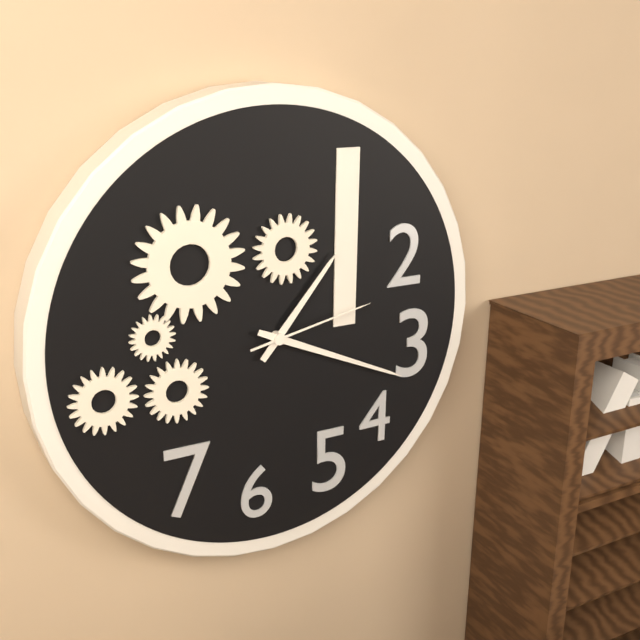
**1:19:13**
